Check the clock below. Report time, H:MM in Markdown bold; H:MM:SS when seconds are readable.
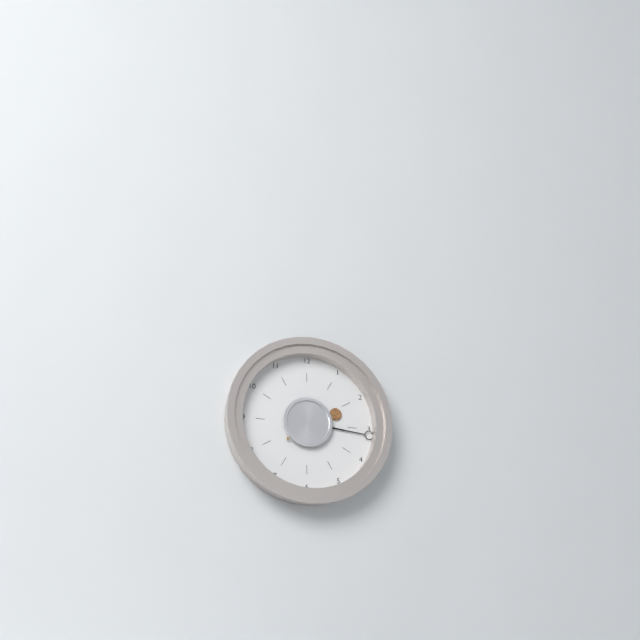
**2:16**
